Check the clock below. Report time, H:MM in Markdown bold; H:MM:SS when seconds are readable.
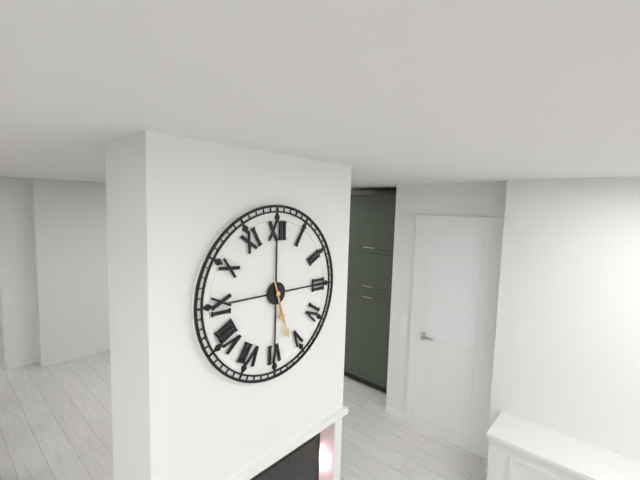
**5:27**
